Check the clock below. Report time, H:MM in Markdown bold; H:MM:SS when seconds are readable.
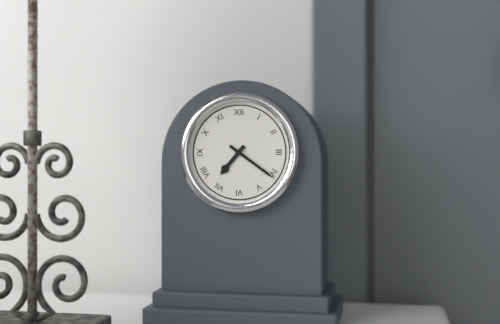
**7:21**
